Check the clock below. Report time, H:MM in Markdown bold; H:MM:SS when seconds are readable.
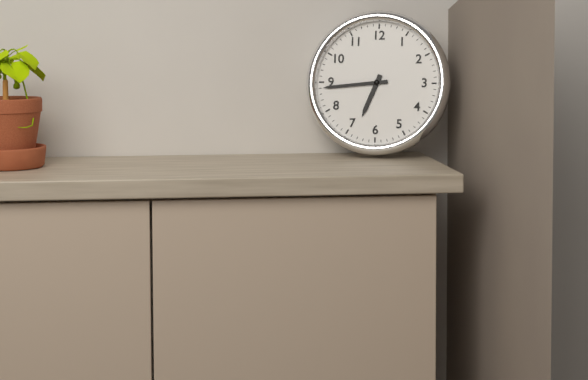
**6:44**
